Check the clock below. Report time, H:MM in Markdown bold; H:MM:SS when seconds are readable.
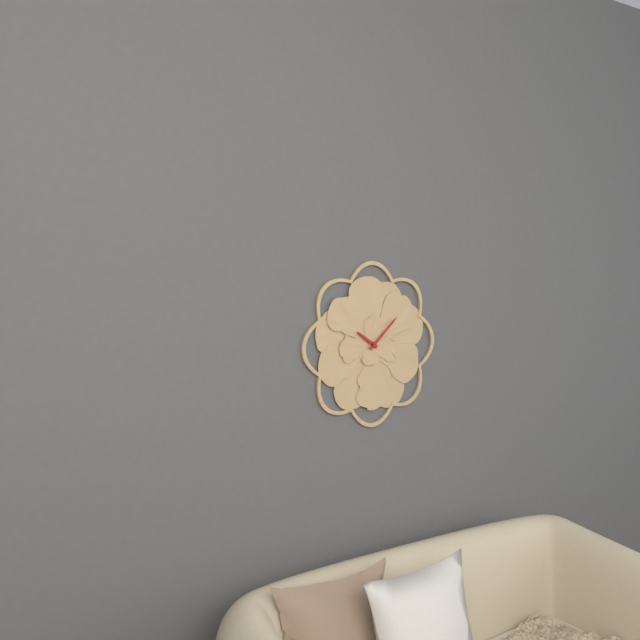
**10:08**
